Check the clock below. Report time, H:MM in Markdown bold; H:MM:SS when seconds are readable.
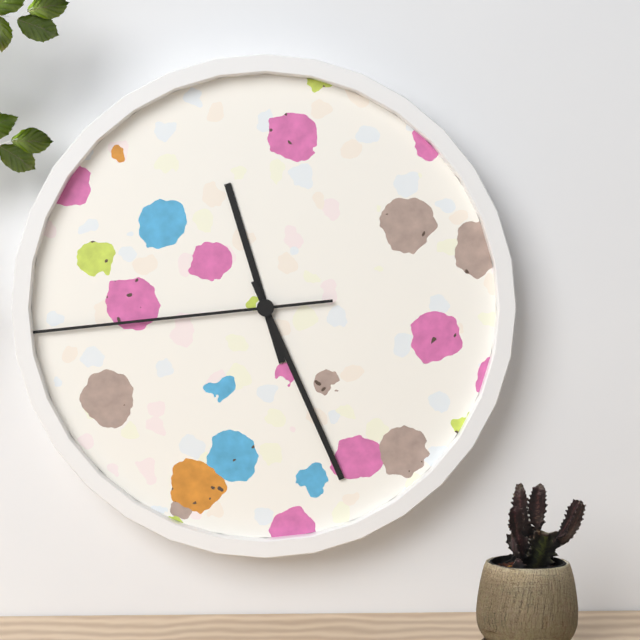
**11:26:44**
